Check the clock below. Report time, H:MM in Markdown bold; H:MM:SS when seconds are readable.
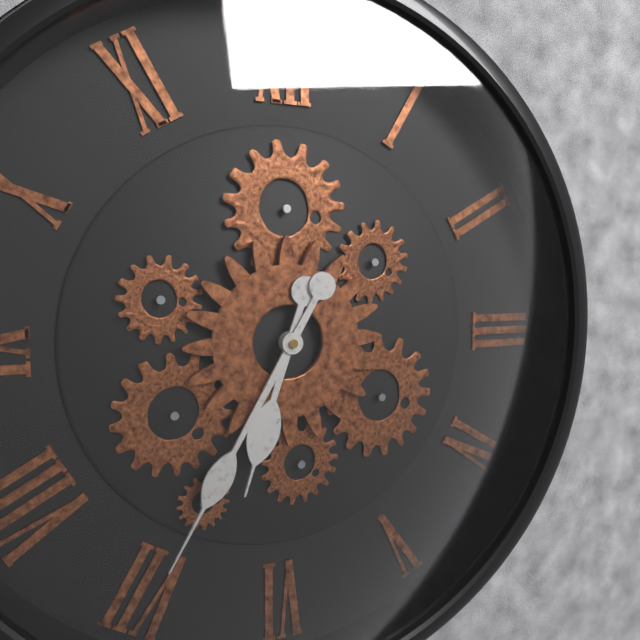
**6:35**
